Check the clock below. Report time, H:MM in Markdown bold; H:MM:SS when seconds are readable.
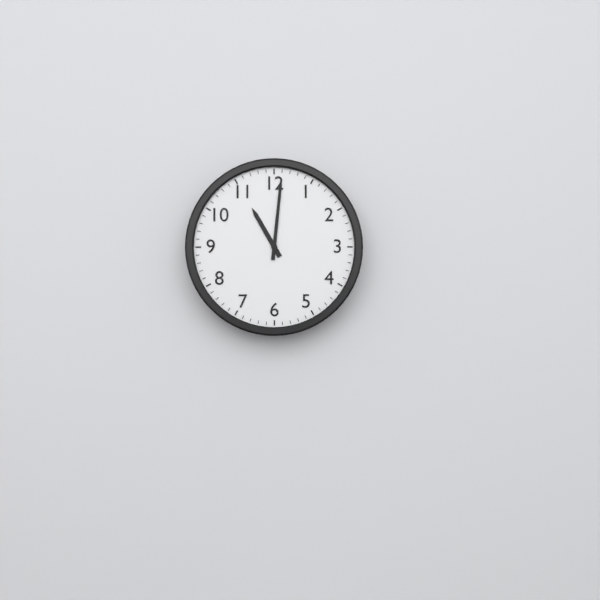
**11:01**
